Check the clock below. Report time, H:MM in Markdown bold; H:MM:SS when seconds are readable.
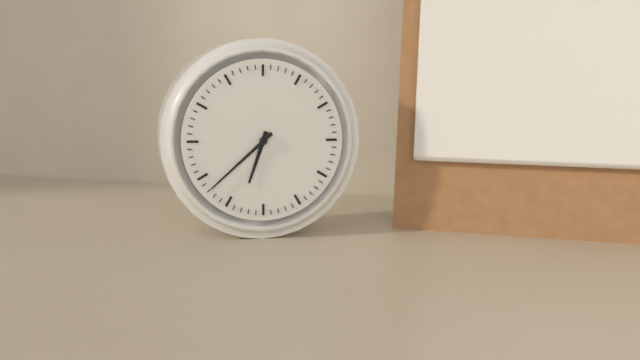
**6:38**
